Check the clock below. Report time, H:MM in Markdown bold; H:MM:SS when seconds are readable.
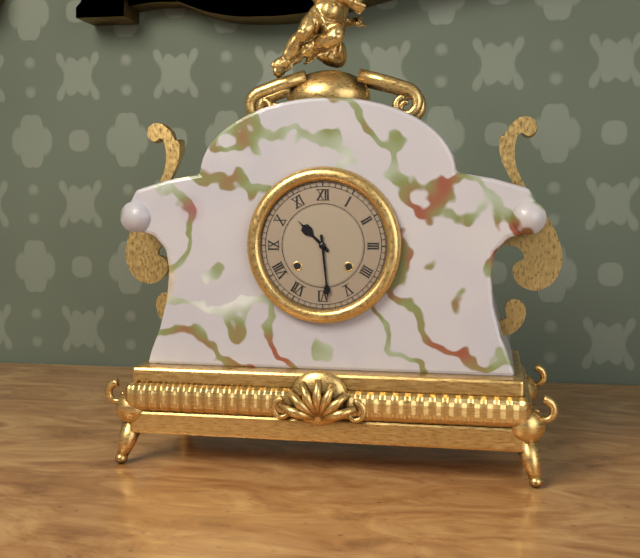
**10:29**
